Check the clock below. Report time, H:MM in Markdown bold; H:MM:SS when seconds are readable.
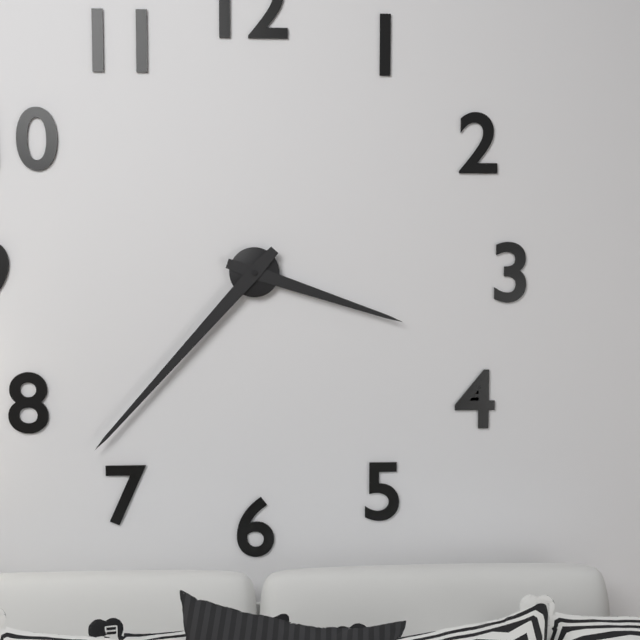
**3:37**
